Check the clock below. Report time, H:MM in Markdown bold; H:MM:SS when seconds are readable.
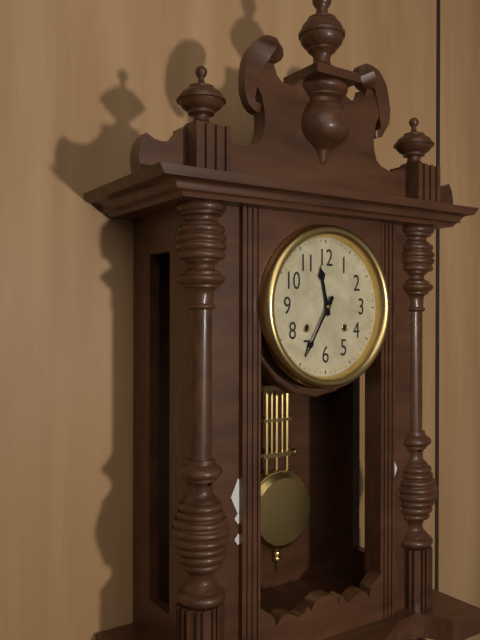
**11:35**
